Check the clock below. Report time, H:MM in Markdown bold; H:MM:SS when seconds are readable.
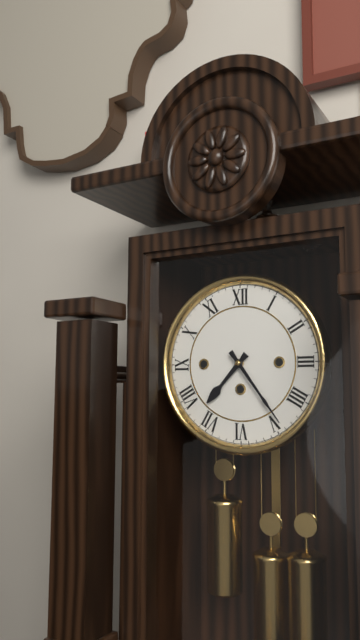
**7:24**
